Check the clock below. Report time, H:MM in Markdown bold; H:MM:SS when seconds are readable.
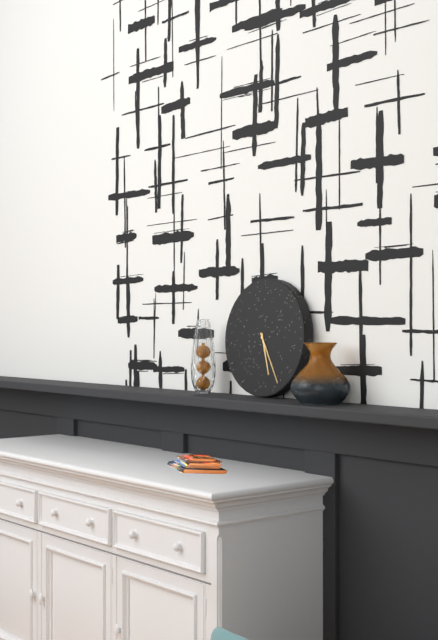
**5:25**
